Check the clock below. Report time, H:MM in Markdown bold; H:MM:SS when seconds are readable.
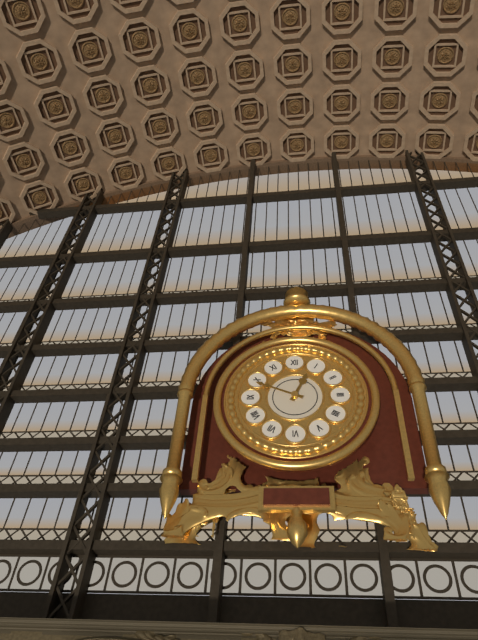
**12:49**
